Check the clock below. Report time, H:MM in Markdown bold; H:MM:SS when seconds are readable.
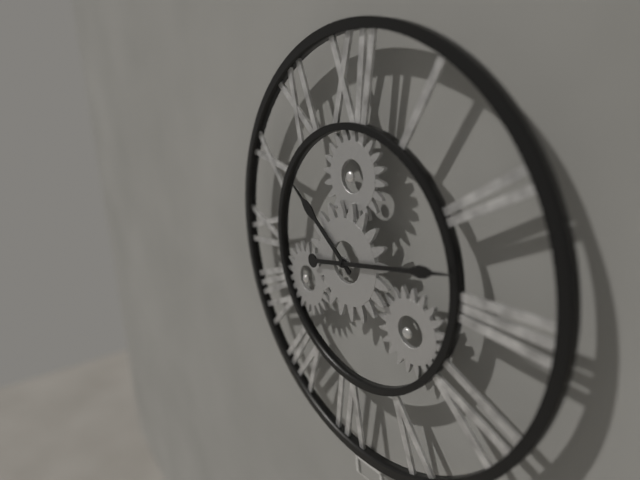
**10:13**
